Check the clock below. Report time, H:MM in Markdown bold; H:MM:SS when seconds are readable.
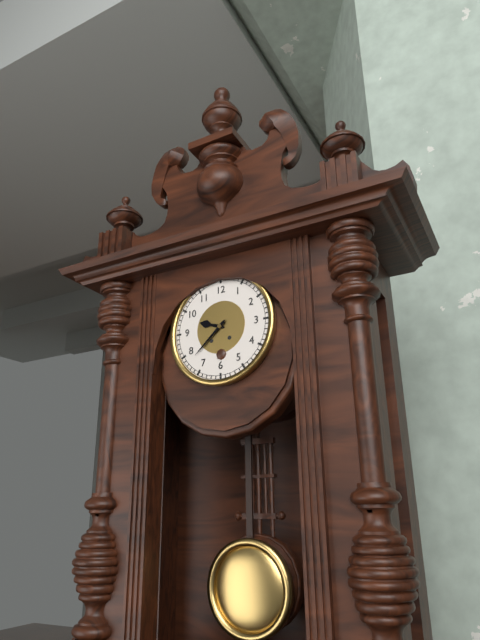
**9:38**
